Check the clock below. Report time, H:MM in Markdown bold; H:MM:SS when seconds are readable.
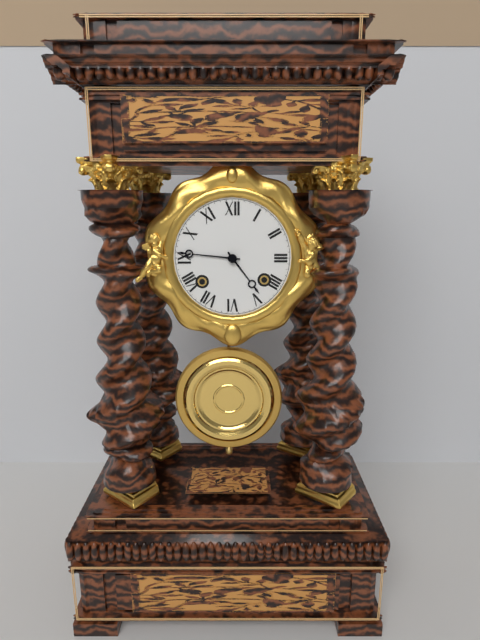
**4:46**
